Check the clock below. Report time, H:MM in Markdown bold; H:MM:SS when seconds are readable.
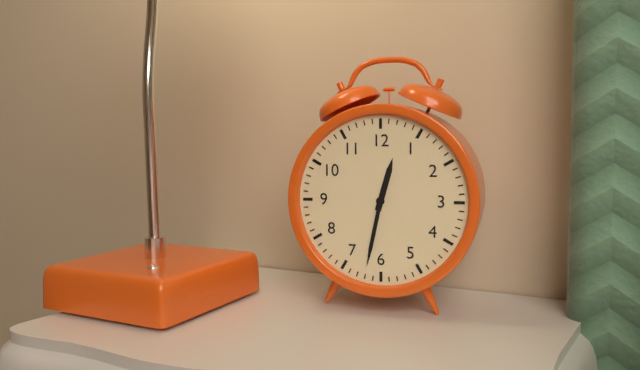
**12:32**
